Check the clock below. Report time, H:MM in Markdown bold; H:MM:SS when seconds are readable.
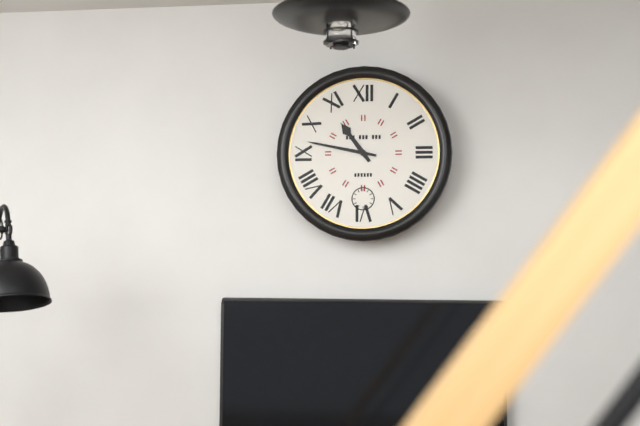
**10:47**
